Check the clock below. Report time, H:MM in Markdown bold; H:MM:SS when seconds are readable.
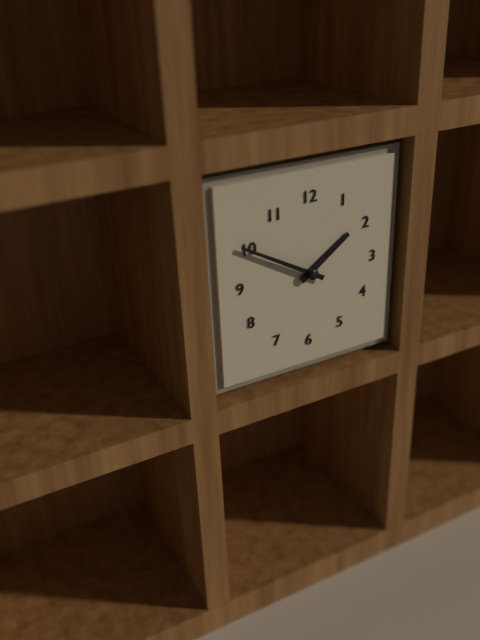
**1:50**
